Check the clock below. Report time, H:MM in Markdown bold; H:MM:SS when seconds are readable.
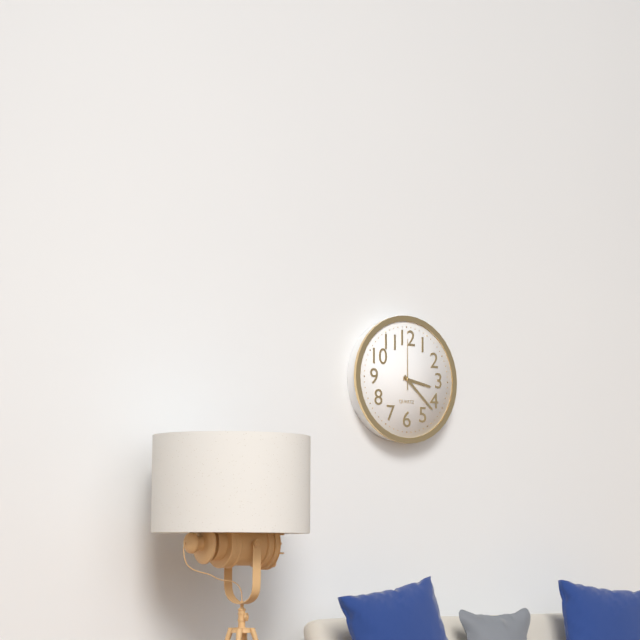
**3:22:00**
